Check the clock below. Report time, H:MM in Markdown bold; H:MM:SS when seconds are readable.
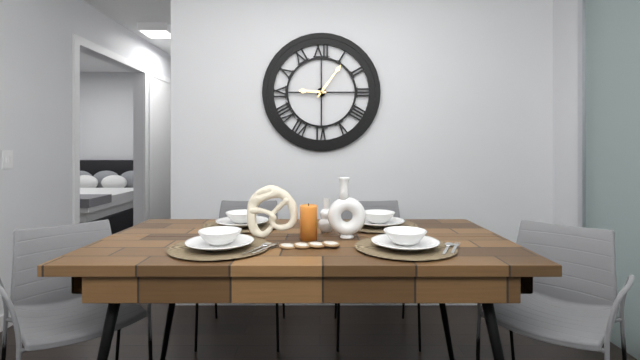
**9:06**
